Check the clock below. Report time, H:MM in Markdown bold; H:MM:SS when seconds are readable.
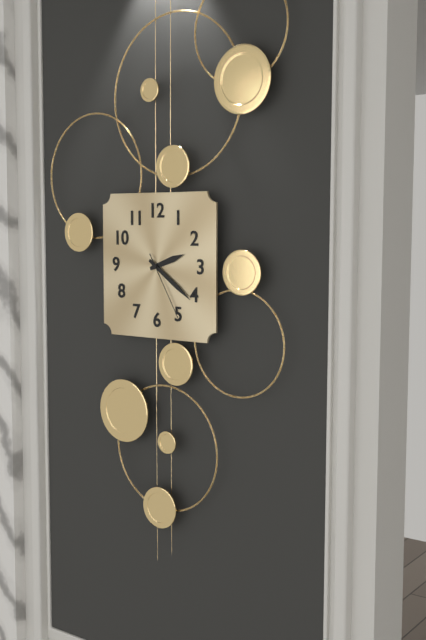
**2:21:25**
